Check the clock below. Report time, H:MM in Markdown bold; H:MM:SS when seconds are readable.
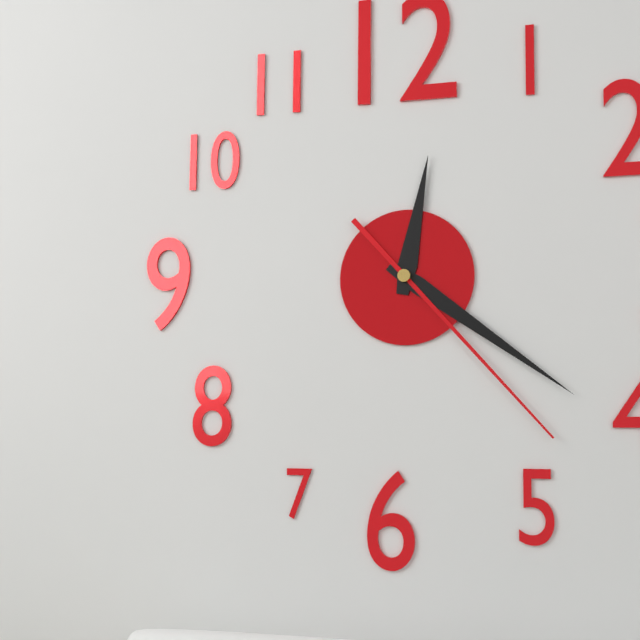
**12:21:23**
